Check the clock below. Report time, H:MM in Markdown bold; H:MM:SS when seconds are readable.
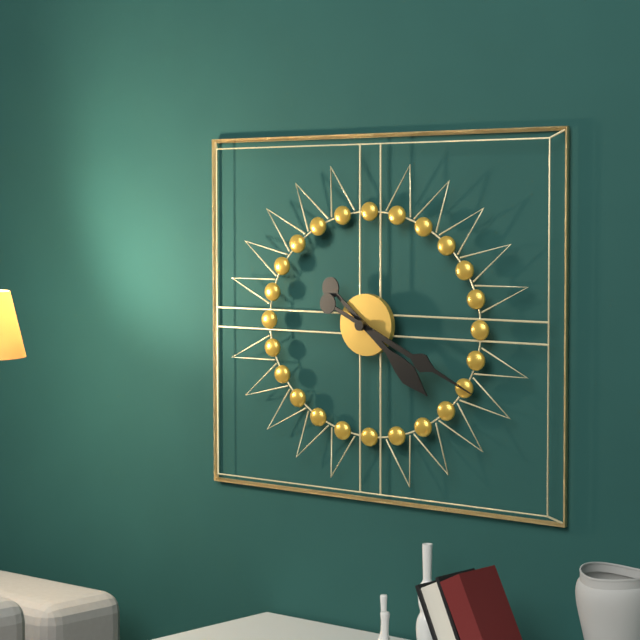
**4:19**
